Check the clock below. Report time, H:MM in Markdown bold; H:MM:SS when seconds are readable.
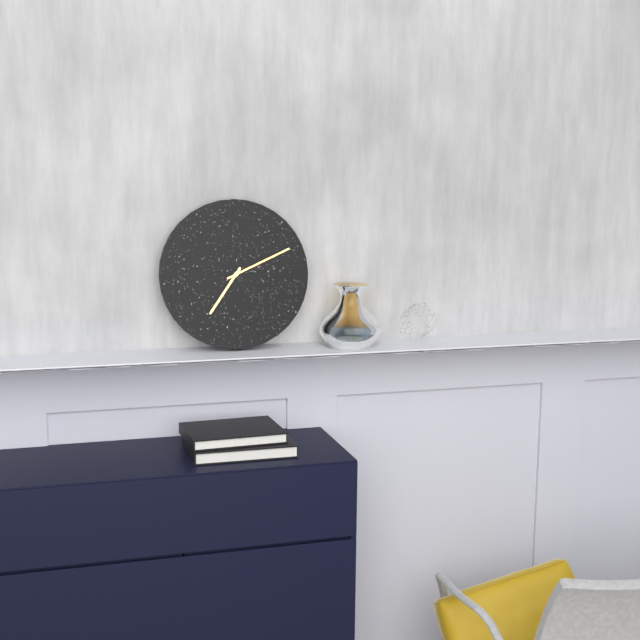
**7:11**
